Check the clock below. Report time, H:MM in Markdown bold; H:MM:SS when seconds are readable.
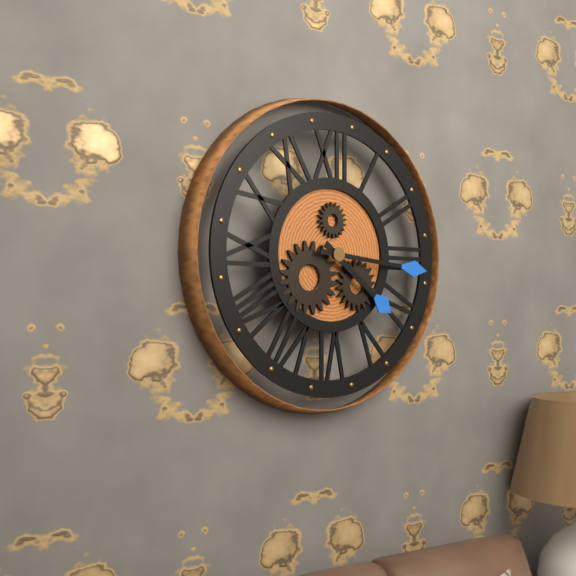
**4:16**
